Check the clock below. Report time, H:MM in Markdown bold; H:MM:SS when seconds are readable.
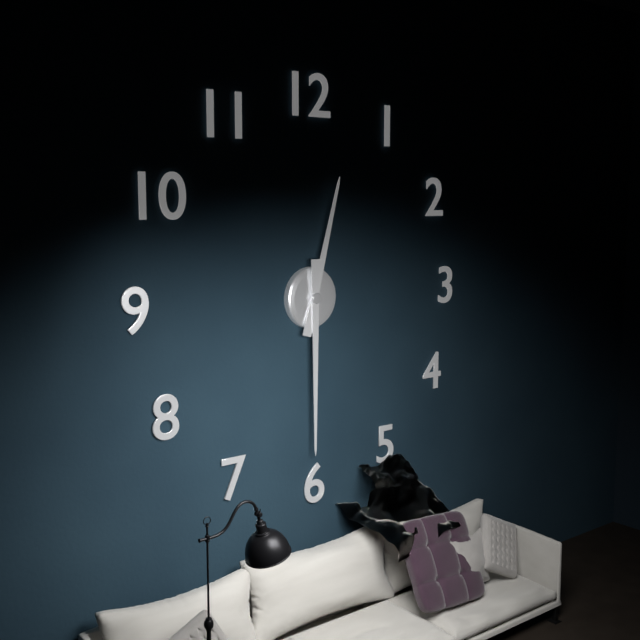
**12:30**
